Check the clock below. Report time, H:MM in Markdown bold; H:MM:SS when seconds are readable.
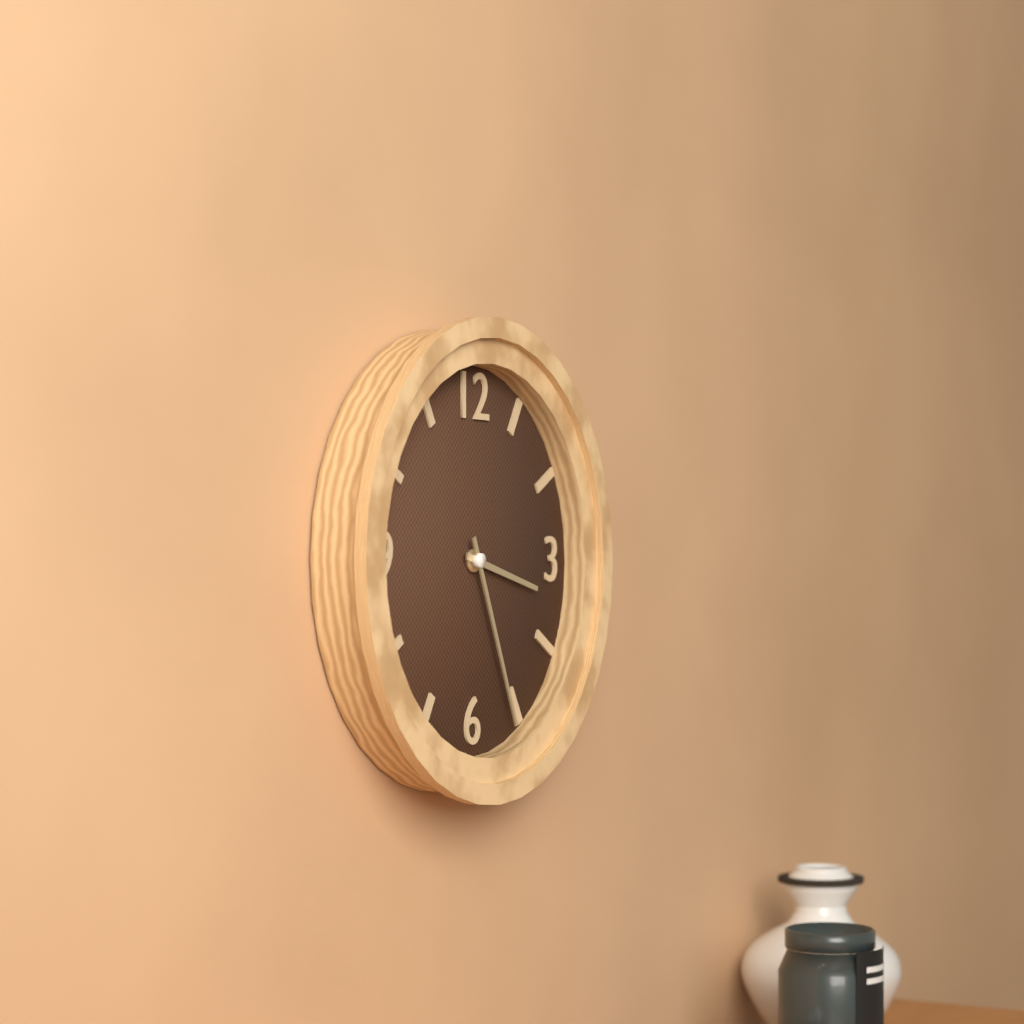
**3:26**
